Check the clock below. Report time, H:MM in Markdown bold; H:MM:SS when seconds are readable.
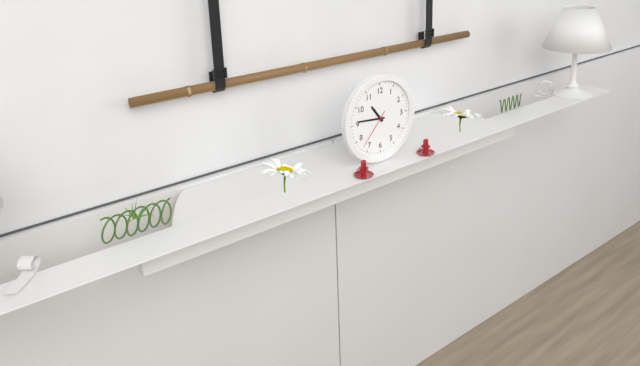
**10:46**
